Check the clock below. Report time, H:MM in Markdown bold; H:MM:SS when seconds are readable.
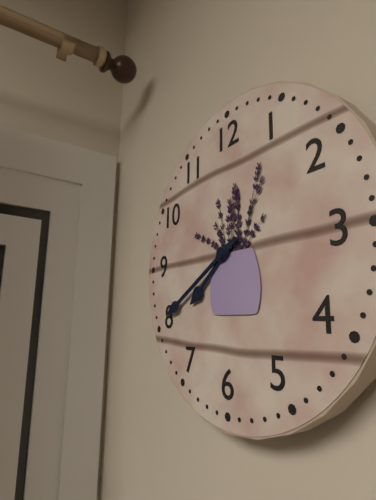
**7:40**
